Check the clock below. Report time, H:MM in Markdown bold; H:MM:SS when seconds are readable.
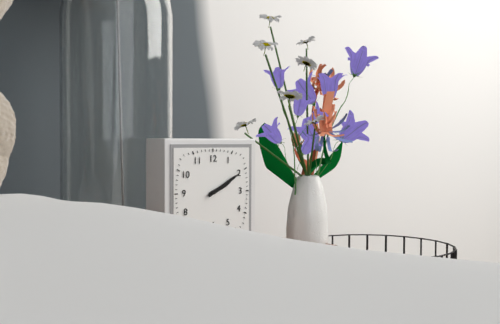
**2:10**
